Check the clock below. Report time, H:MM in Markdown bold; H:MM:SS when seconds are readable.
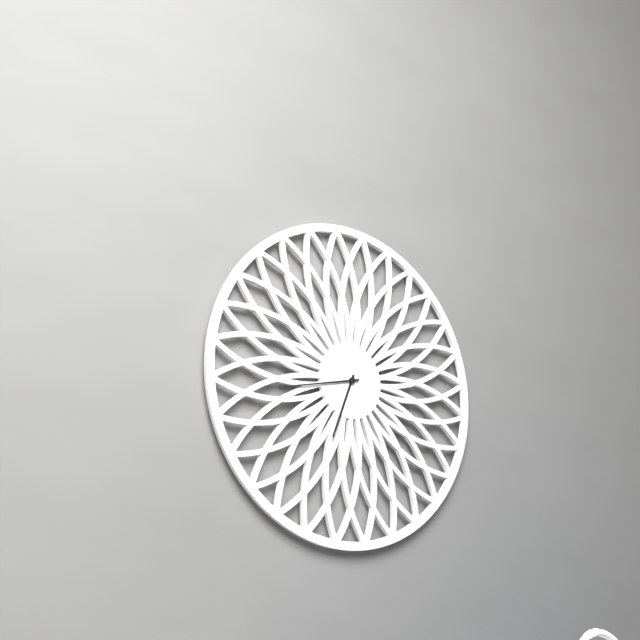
**6:43**
